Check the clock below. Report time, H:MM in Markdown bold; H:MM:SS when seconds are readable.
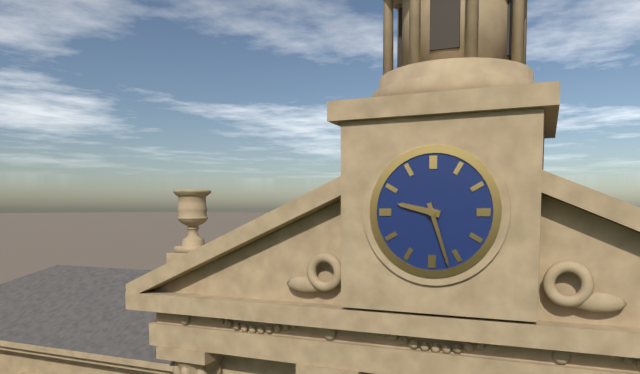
**9:27**
